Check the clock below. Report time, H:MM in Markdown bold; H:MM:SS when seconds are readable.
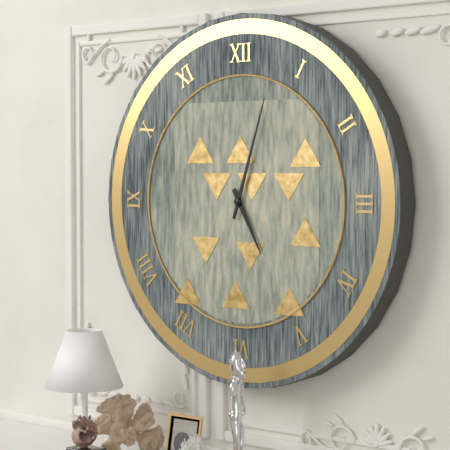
**5:03**
